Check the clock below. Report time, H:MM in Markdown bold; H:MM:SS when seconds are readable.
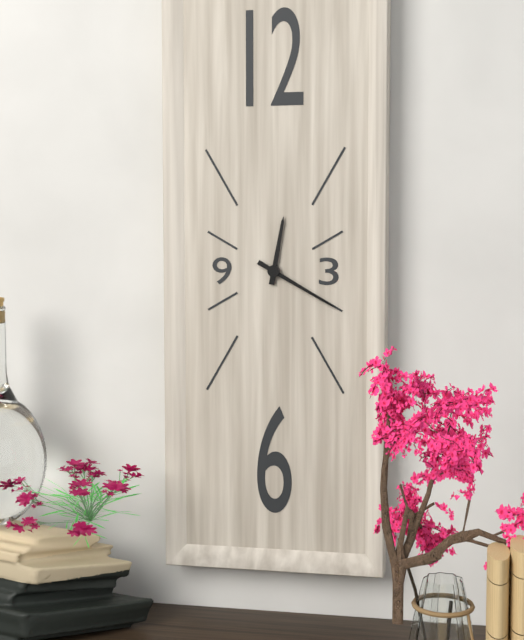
**12:20**
